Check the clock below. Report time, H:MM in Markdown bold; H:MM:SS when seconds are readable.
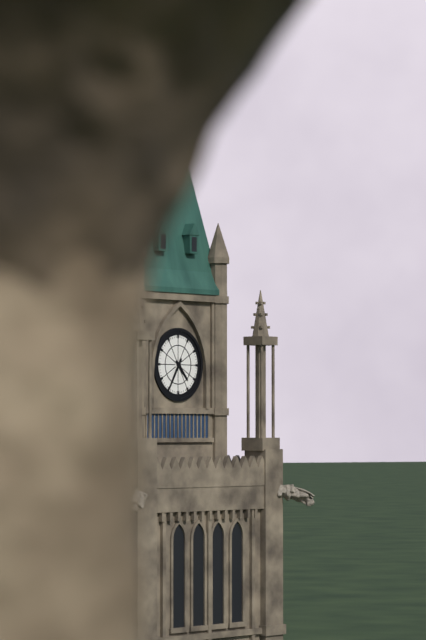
**4:35**
